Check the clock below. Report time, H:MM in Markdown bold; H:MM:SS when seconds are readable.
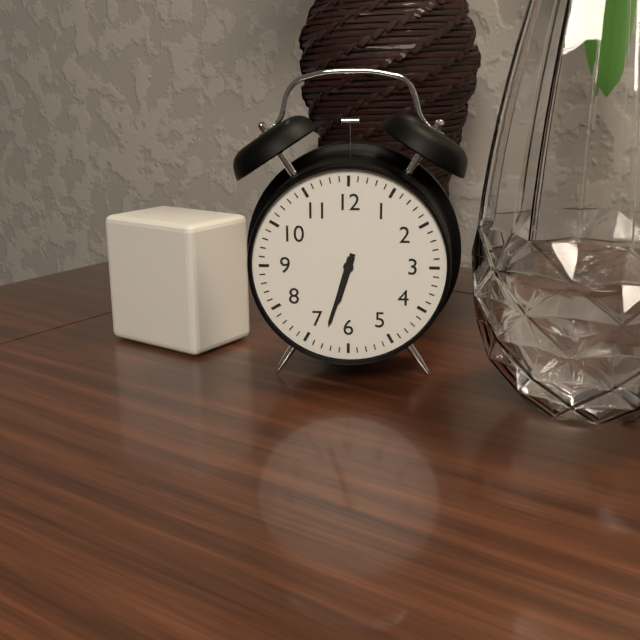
**6:33**
